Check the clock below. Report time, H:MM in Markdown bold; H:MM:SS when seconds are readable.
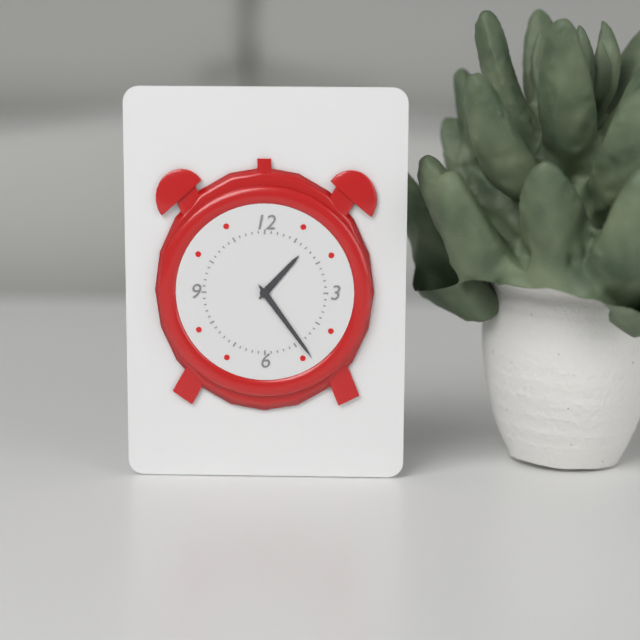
**1:24**
